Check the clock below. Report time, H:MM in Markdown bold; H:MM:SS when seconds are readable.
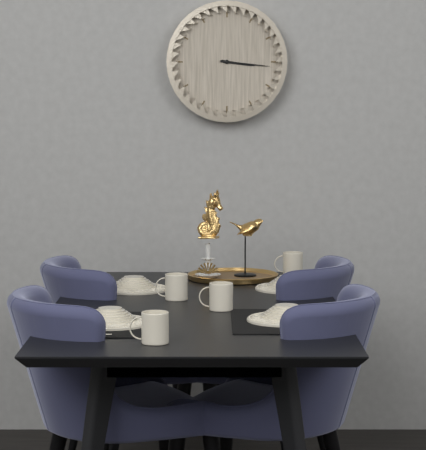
**3:16**
